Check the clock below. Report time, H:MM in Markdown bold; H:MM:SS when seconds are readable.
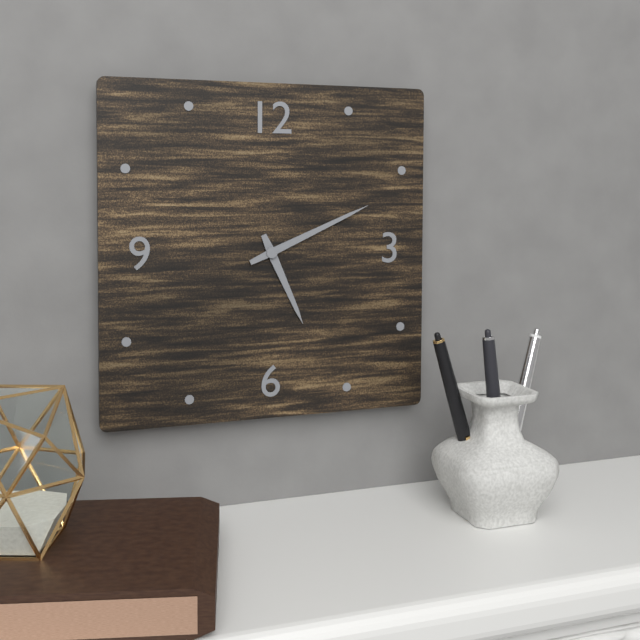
**5:11**
